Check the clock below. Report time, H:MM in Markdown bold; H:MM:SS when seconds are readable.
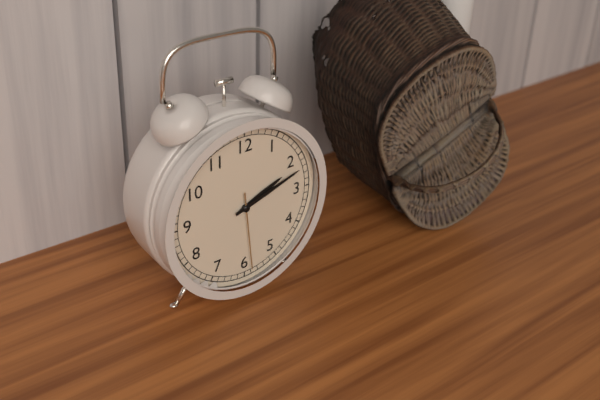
**2:12:29**
